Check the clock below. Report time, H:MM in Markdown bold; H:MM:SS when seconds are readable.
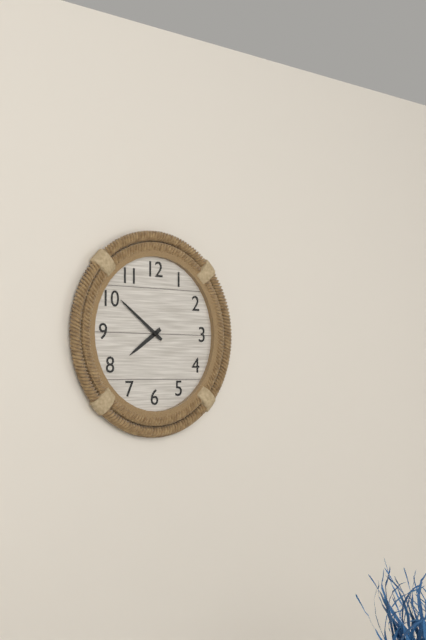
**7:51**
